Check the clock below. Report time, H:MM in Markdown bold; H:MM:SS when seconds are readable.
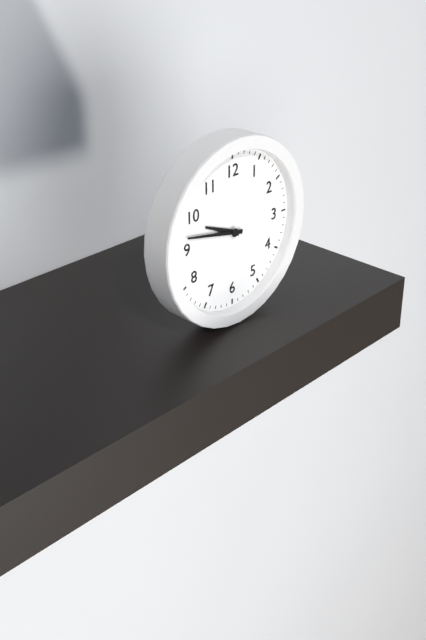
**9:47**
